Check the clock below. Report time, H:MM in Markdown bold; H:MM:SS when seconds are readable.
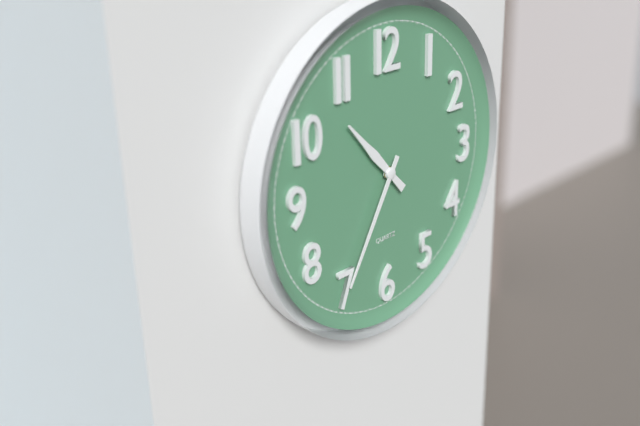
**10:35**
